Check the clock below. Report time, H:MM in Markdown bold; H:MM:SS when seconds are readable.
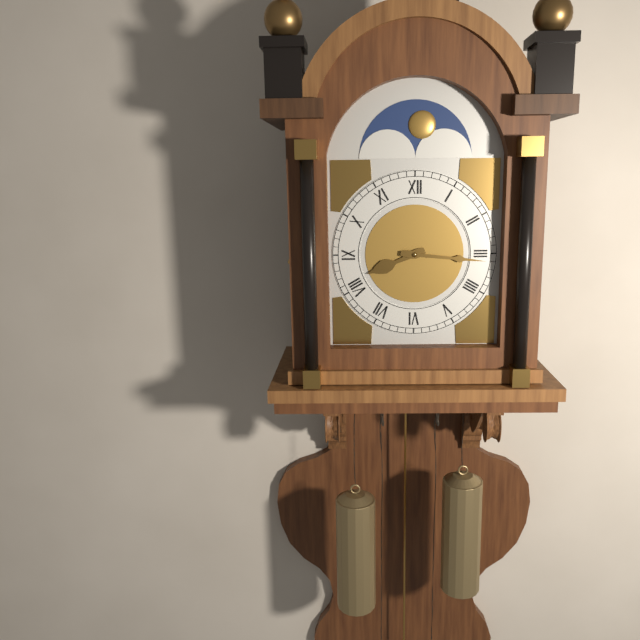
**8:16**
